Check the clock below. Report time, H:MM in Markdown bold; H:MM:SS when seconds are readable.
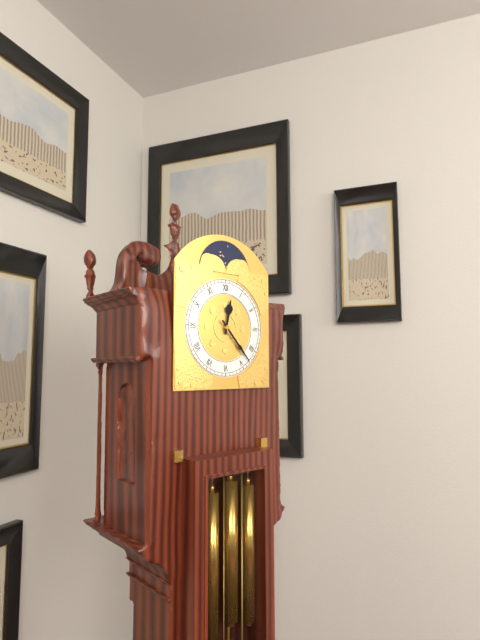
**12:23**
